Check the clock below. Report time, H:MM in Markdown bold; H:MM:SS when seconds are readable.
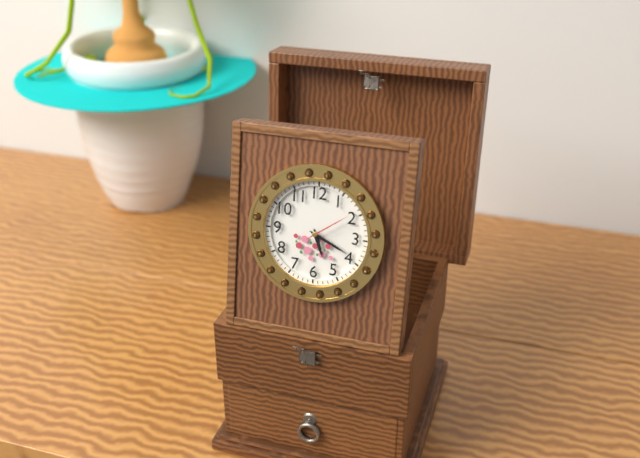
**5:19**
